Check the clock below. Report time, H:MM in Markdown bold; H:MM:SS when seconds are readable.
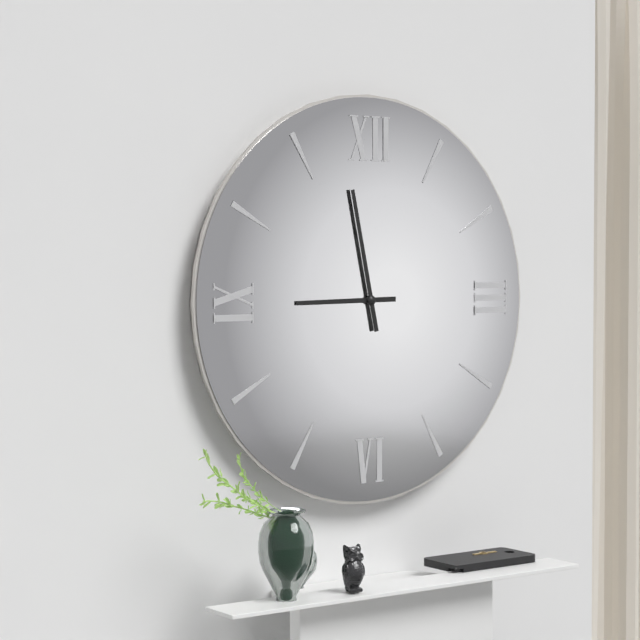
**8:58**
